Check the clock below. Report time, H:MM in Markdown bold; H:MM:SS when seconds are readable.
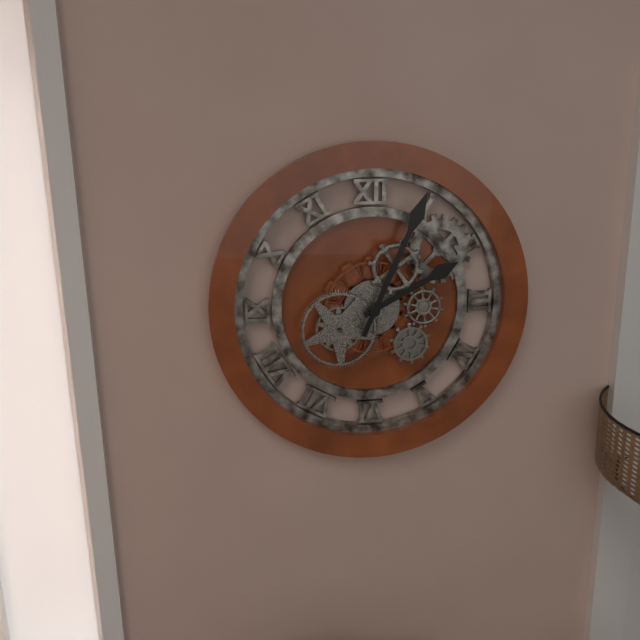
**2:04**
